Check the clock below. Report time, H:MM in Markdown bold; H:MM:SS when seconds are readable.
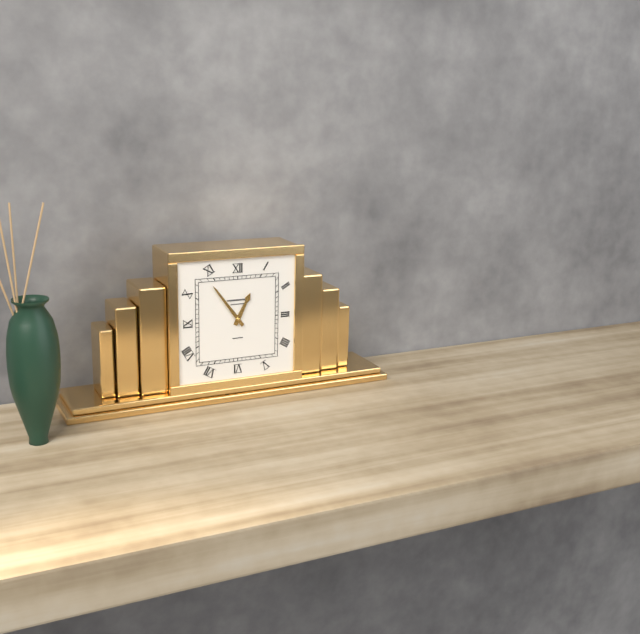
**12:54**
